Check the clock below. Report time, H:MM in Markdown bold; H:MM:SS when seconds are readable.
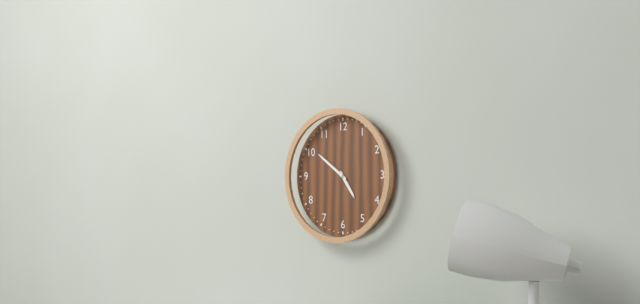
**4:51**
